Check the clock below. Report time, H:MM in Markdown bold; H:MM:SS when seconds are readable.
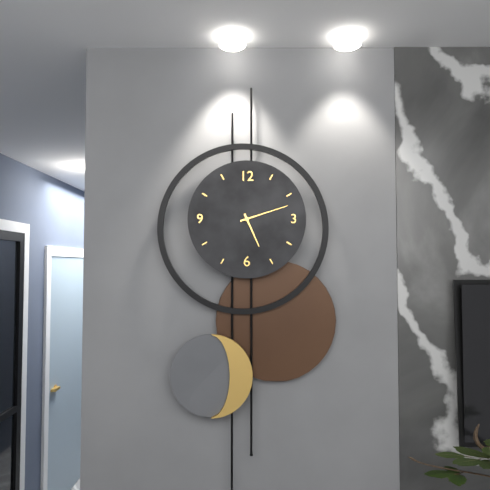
**5:12**
